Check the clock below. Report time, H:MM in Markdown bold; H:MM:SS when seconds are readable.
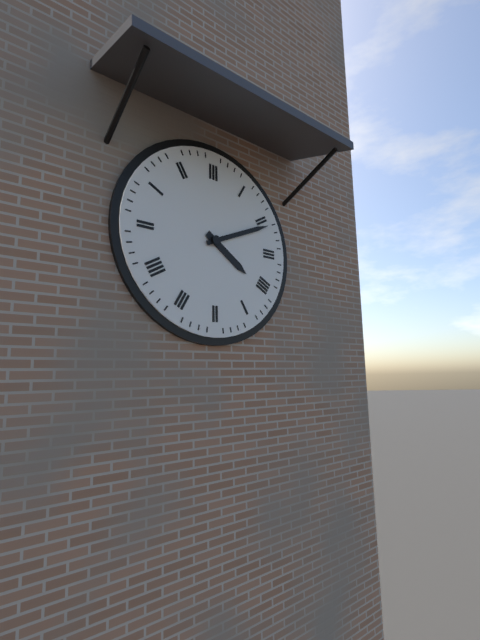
**4:11**
